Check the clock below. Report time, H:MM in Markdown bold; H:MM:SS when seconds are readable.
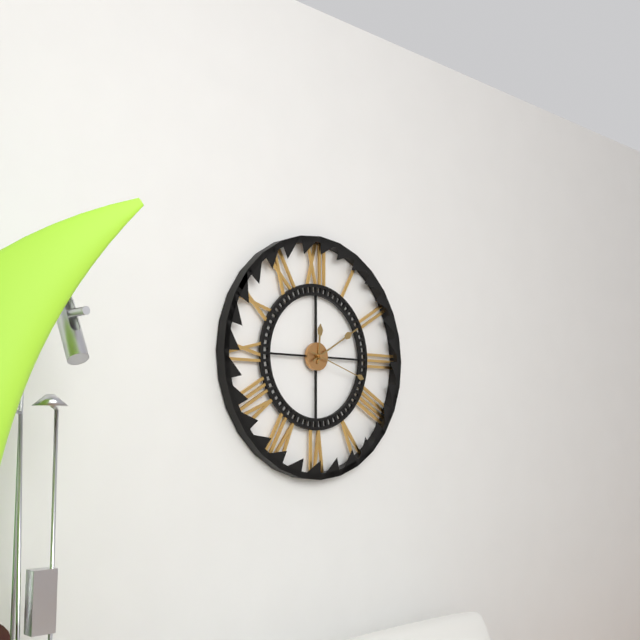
**12:10:18**
